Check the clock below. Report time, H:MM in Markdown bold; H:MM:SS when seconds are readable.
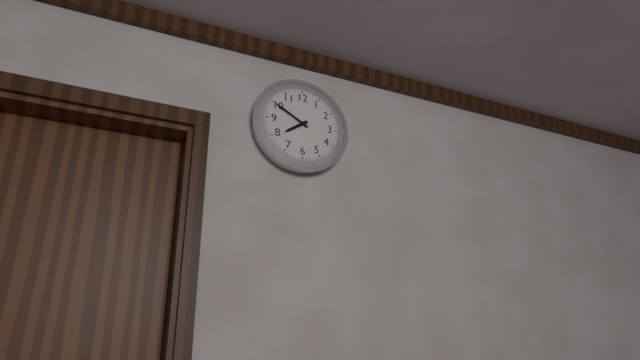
**7:50**
